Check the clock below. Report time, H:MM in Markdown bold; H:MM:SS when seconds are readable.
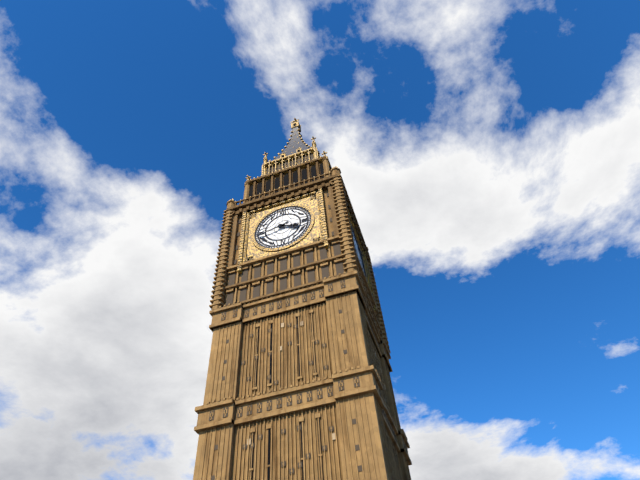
**3:43**
